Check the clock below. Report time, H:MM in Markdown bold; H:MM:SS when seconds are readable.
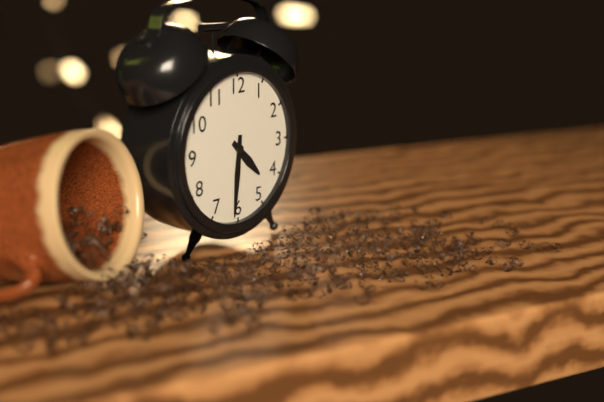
**4:31**
